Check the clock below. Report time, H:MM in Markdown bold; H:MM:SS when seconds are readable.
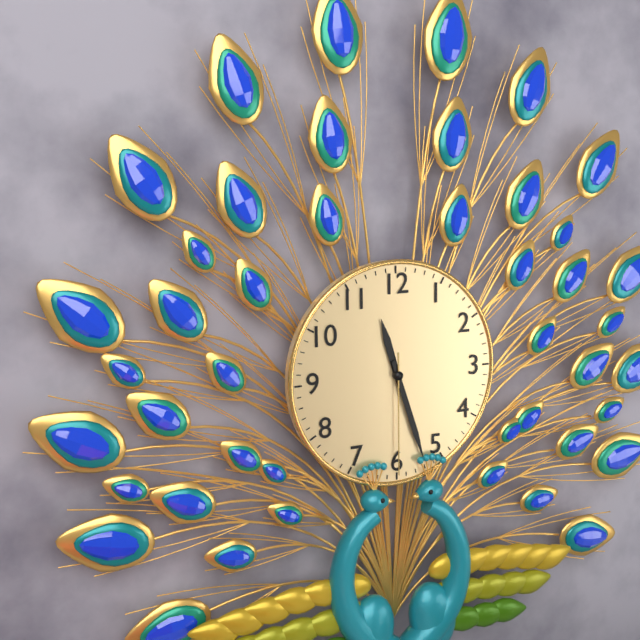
**11:27:30**
